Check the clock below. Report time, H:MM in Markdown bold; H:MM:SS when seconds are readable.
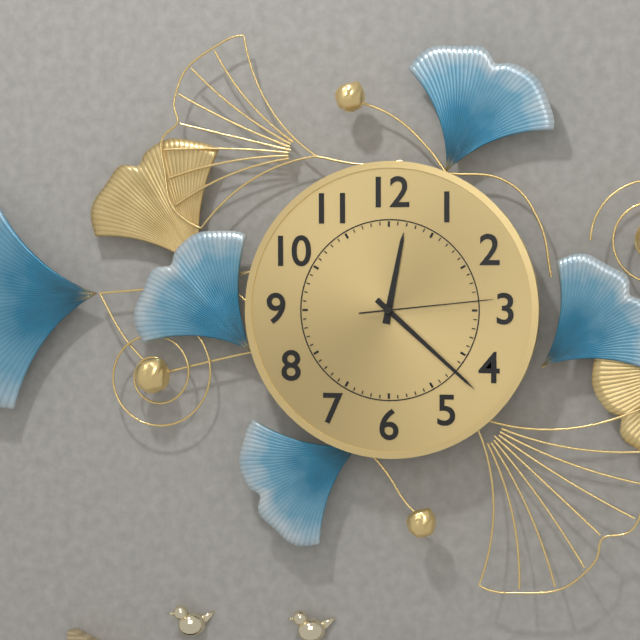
**12:22:14**
